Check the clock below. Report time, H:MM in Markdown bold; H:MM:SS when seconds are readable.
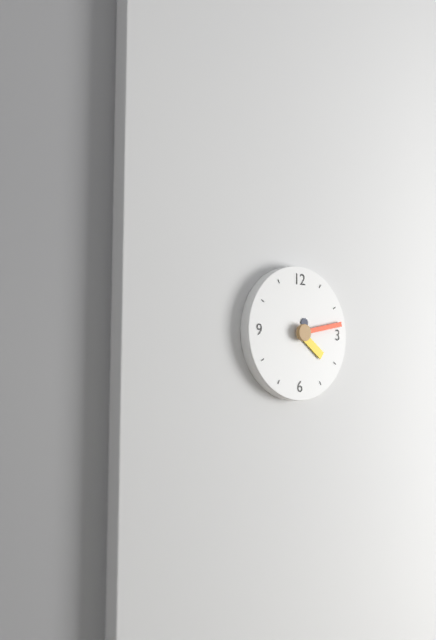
**4:13**
